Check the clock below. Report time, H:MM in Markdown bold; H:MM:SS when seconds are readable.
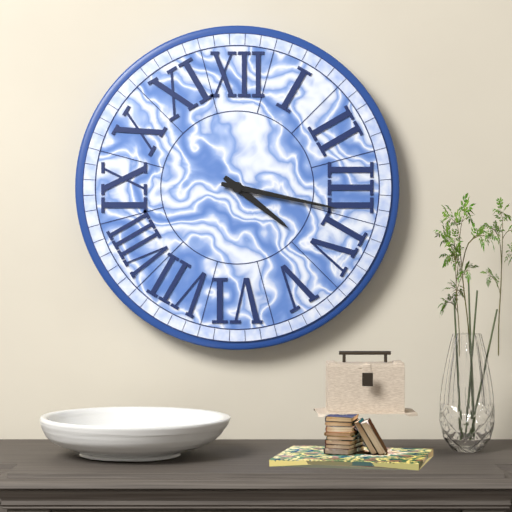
**4:17**
